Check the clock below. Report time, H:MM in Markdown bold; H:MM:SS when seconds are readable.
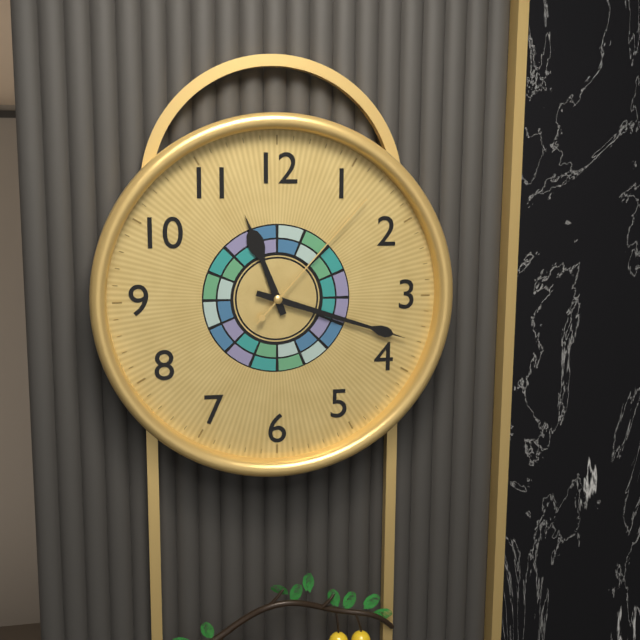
**11:18:07**
